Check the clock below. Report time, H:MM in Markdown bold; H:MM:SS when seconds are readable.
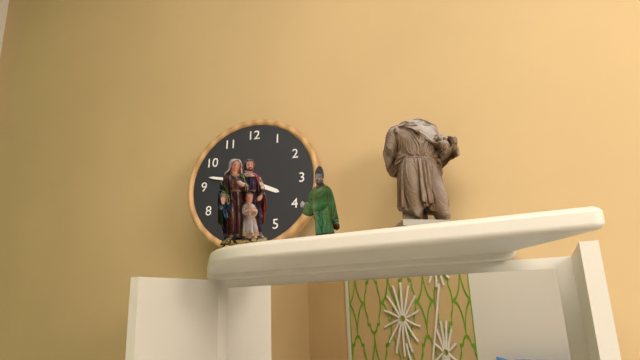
**3:47**
